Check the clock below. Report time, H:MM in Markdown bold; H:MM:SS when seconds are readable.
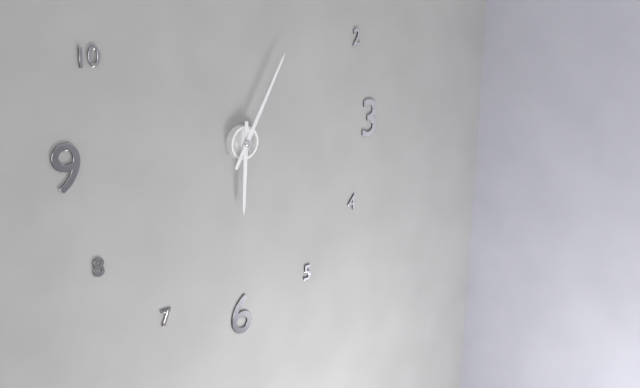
**6:05**
